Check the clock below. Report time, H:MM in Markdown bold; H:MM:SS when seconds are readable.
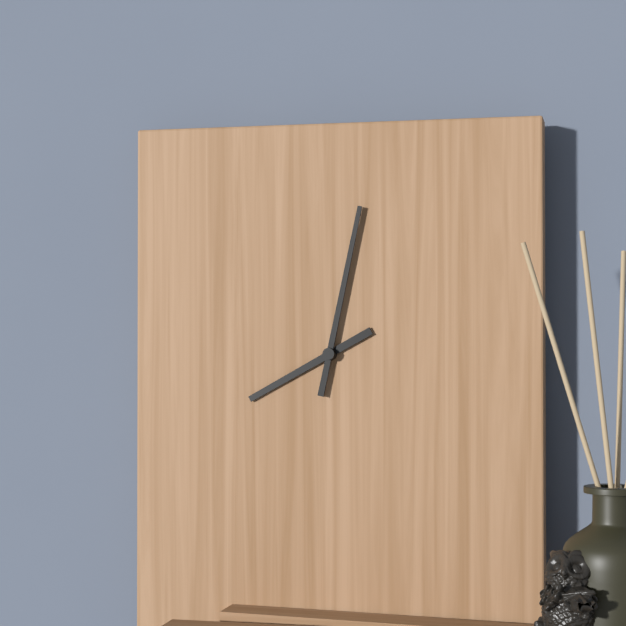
**8:02**
